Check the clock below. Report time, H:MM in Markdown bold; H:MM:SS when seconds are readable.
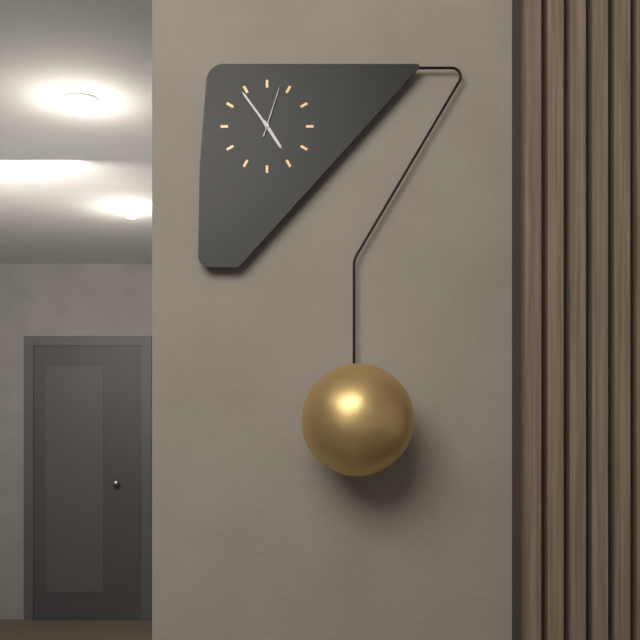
**4:54:03**
